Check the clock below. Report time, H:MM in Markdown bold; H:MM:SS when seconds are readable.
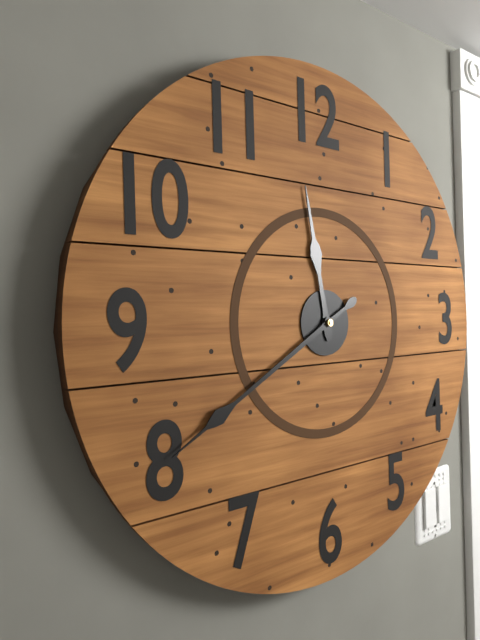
**11:40**
